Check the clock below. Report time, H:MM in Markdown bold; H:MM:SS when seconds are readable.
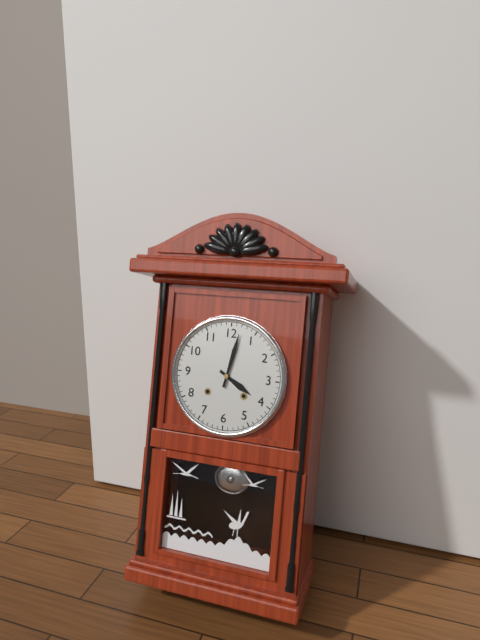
**4:02**
